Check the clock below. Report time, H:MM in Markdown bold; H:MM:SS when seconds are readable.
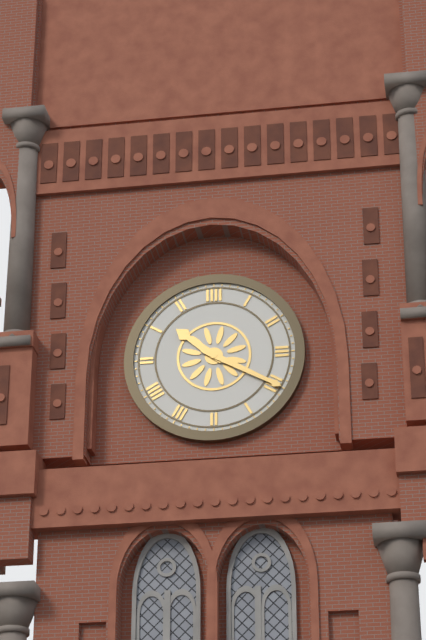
**10:20**
